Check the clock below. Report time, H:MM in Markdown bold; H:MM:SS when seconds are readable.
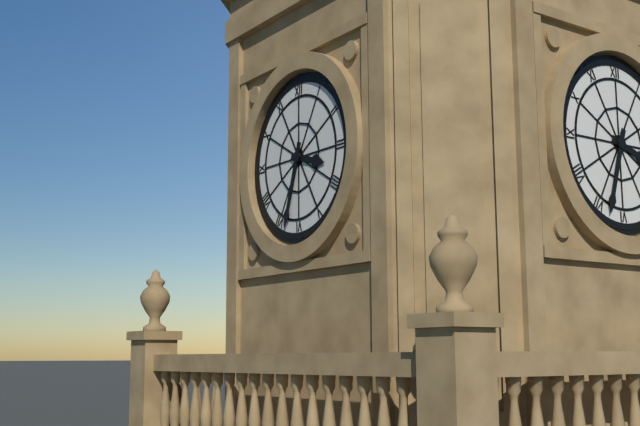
**3:33**
